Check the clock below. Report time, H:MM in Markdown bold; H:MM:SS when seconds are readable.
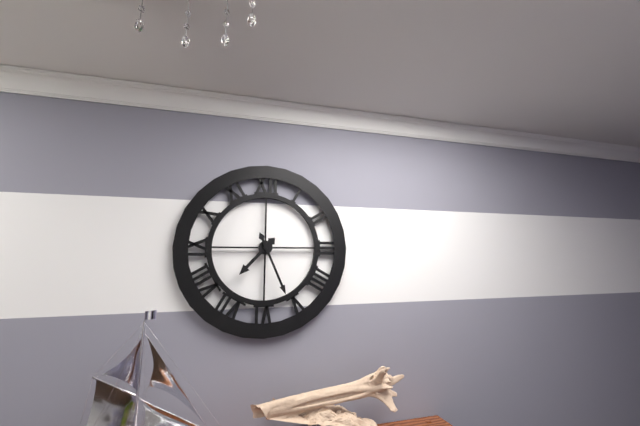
**7:26**
